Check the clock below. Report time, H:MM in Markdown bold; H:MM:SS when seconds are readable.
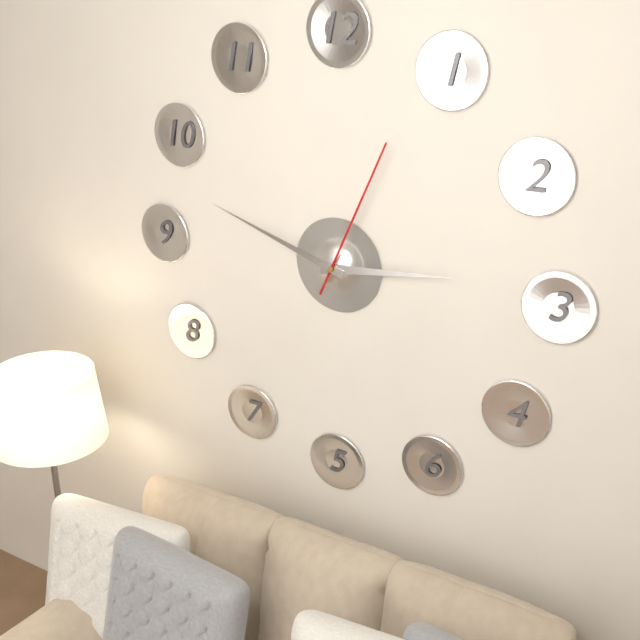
**2:48:04**
